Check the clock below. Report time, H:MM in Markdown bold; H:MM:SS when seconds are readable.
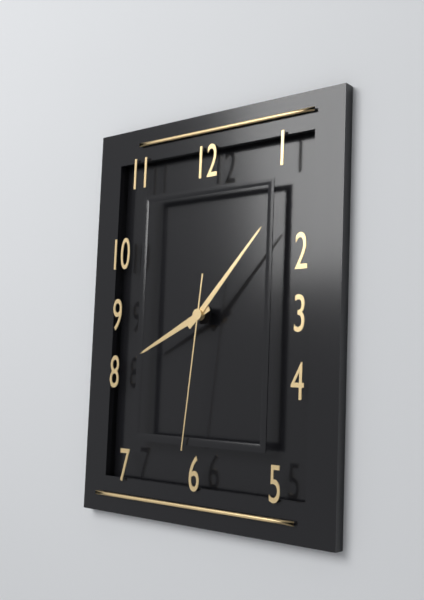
**8:07:31**
